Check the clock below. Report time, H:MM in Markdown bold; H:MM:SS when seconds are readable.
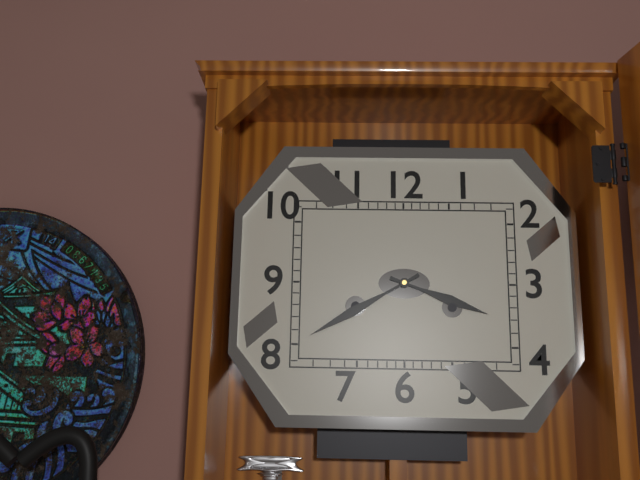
**3:40**
